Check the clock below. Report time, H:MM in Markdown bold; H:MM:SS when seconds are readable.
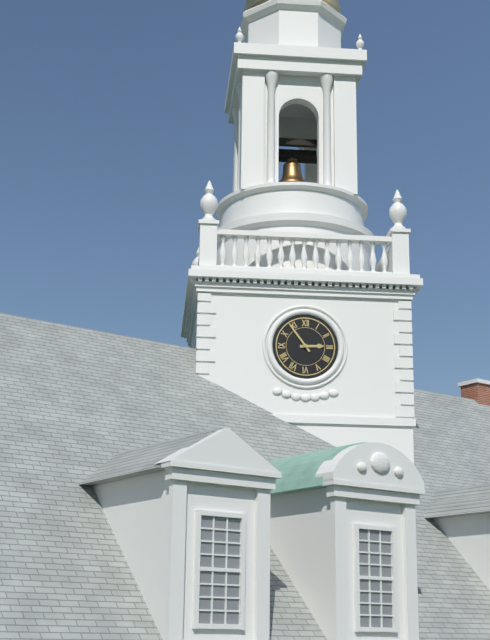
**2:54**
